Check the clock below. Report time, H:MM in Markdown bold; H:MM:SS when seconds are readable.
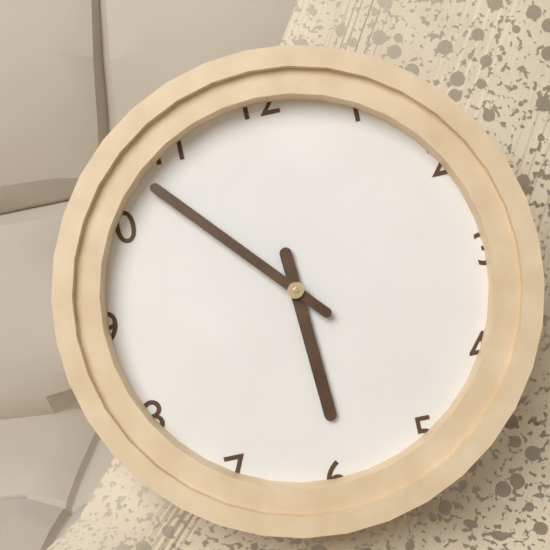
**5:53**
